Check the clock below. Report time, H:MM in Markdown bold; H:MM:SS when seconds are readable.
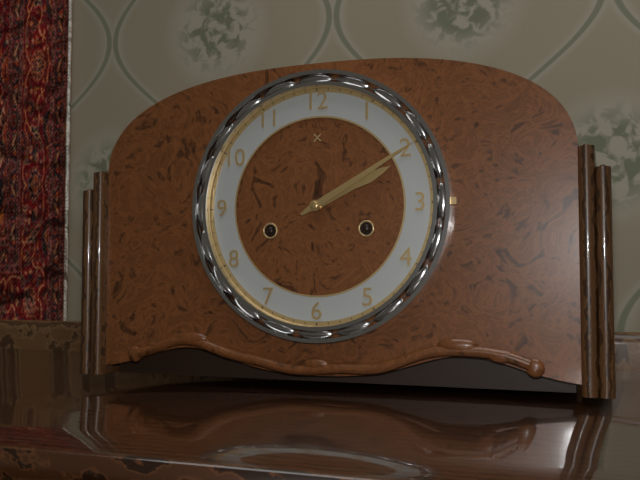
**2:10**
